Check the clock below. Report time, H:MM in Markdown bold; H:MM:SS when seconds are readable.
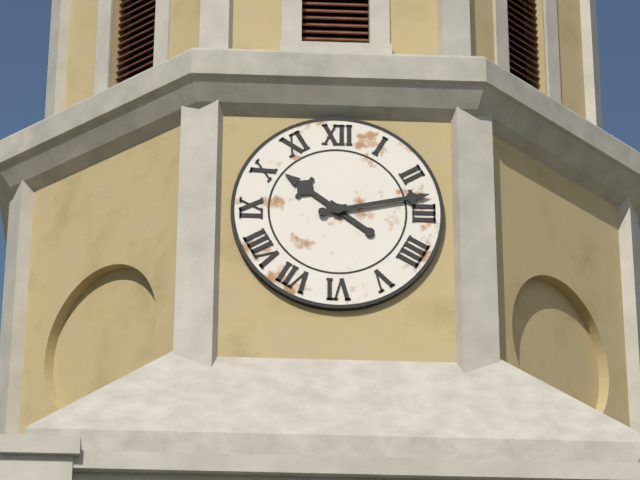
**10:13**
